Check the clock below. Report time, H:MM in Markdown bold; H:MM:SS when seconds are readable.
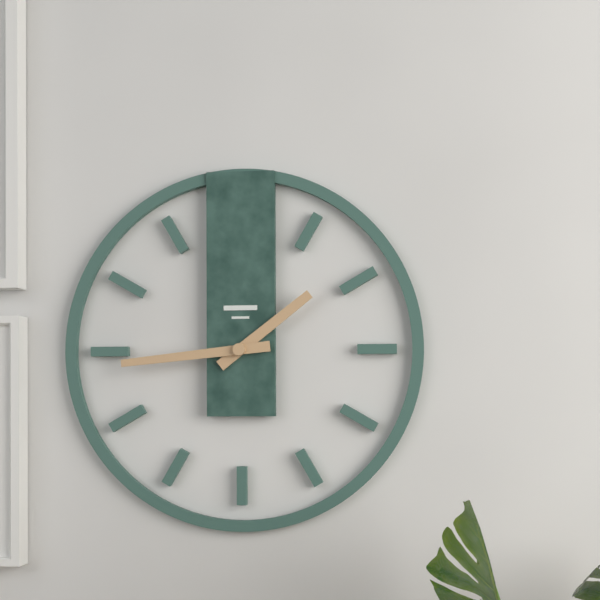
**1:44**
